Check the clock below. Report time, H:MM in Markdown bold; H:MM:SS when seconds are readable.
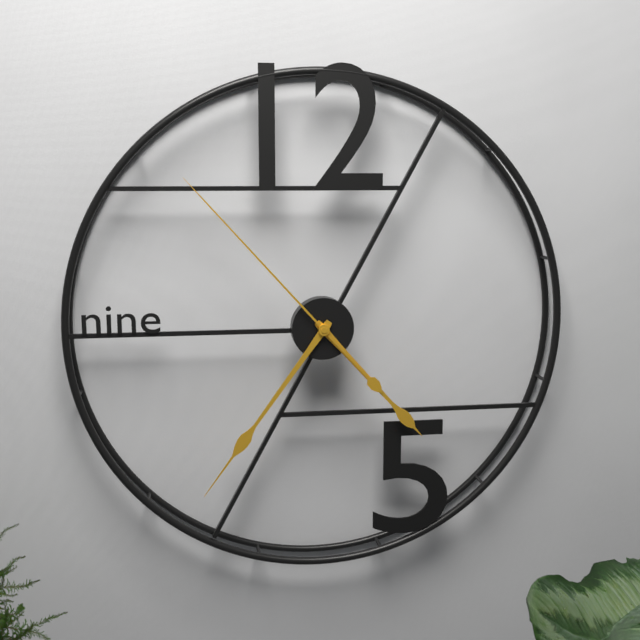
**4:36:53**
